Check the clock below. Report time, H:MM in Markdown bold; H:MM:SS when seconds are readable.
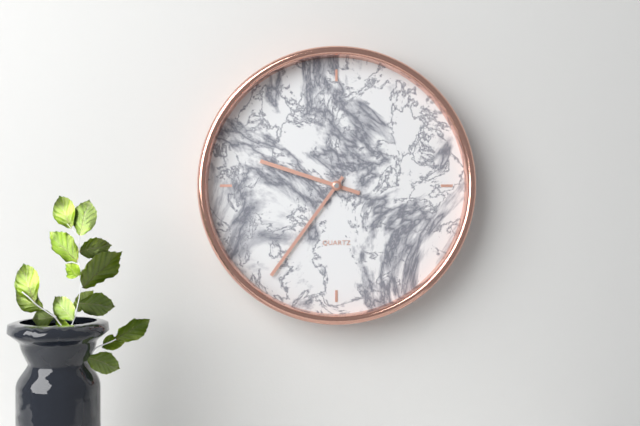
**9:36**
